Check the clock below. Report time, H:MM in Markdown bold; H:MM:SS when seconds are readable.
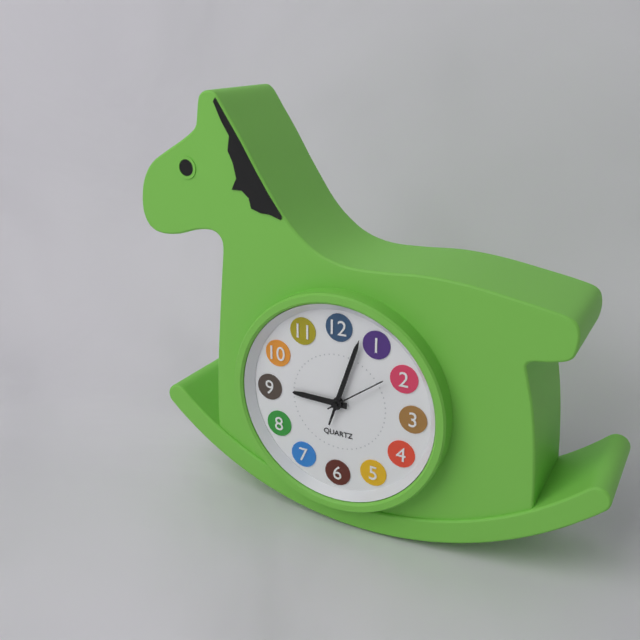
**9:03:09**
